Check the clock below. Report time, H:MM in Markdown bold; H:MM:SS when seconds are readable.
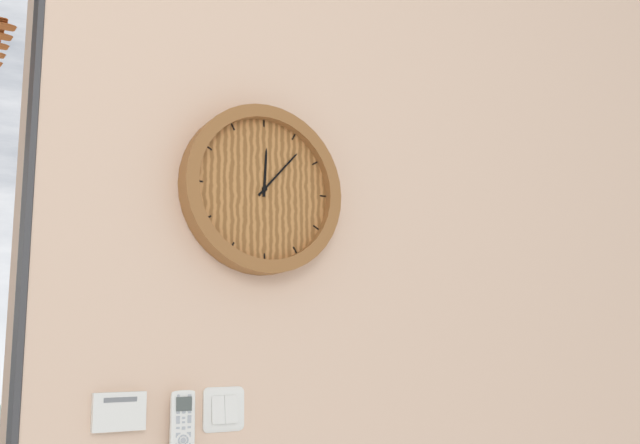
**12:07**
